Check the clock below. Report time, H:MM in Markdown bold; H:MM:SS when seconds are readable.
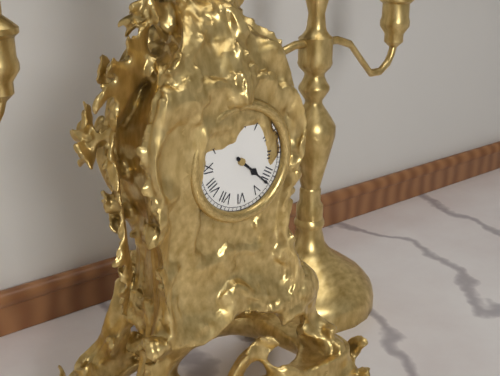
**4:22**
